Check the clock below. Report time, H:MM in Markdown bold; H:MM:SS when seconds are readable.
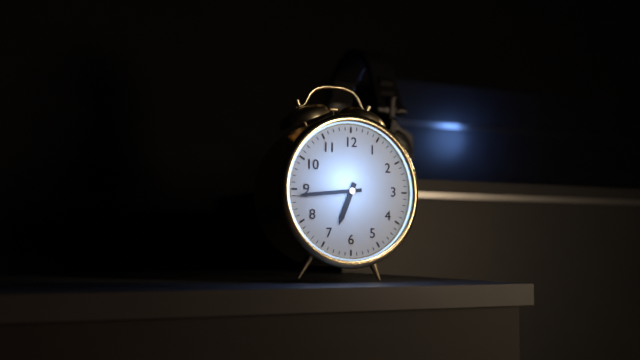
**6:44**
